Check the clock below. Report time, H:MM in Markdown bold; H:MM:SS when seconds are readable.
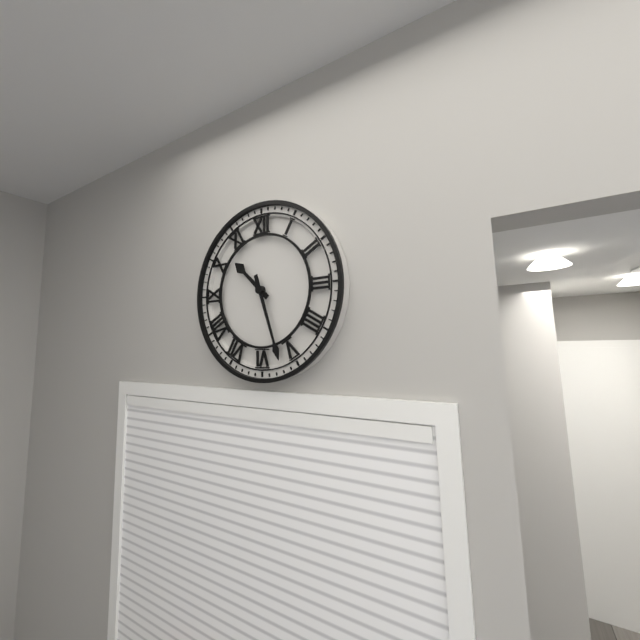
**10:27**
